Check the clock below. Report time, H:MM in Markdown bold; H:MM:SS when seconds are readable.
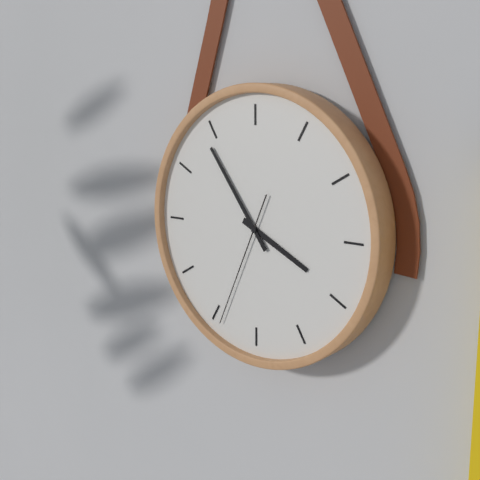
**3:54:34**
